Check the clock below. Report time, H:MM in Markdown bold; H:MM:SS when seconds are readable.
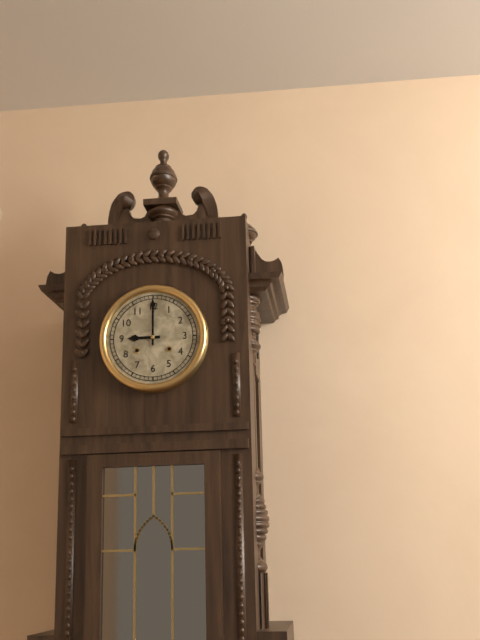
**9:00**
